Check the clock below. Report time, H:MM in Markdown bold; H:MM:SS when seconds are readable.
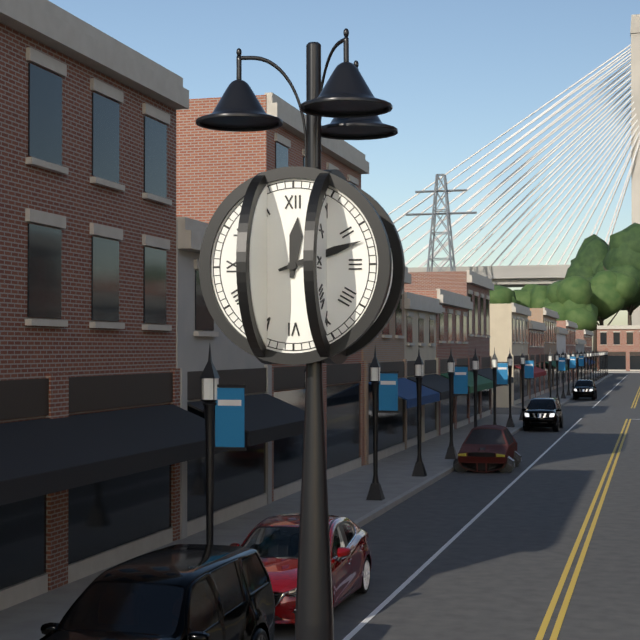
**12:12**
